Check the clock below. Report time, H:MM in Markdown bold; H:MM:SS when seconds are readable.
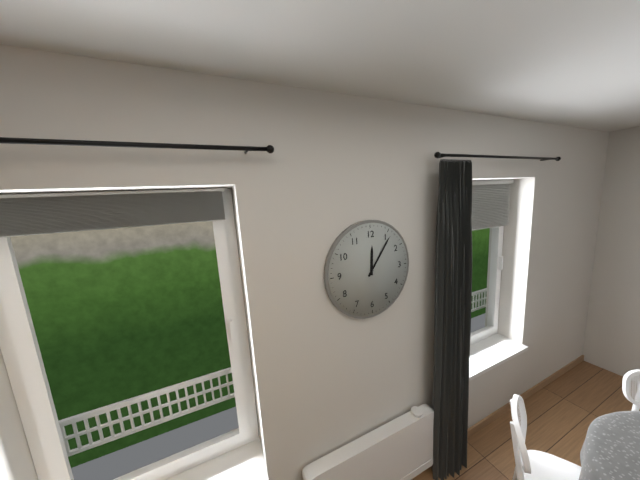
**12:06**
